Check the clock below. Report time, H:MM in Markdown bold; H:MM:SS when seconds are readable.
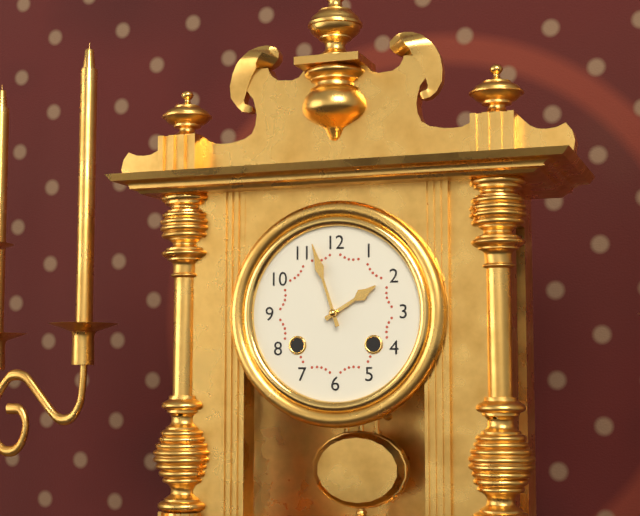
**1:57**
